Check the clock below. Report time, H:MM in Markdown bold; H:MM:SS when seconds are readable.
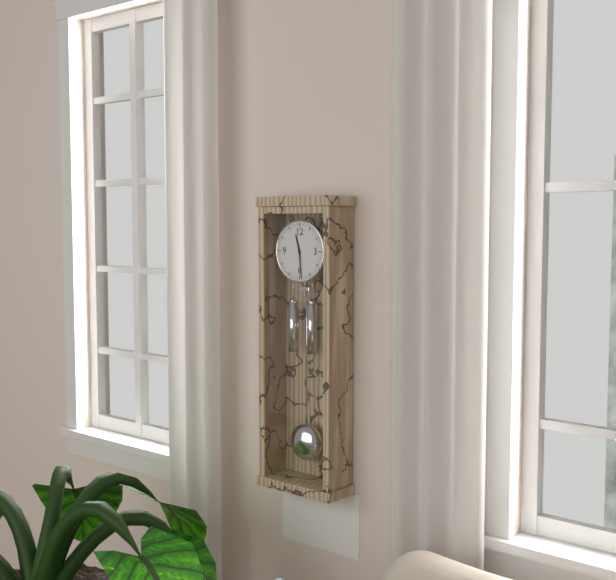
**11:29**
